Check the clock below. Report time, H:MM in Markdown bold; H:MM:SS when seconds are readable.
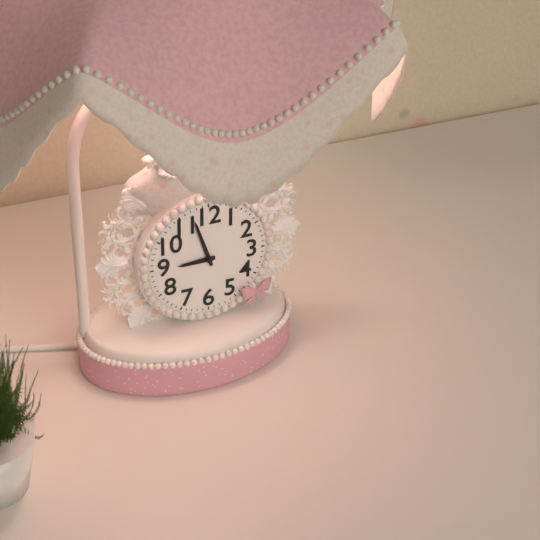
**8:57**
